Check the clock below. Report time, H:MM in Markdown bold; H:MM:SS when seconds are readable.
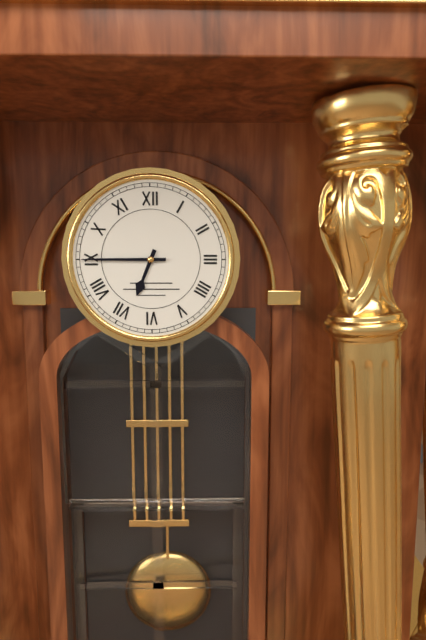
**6:45**
